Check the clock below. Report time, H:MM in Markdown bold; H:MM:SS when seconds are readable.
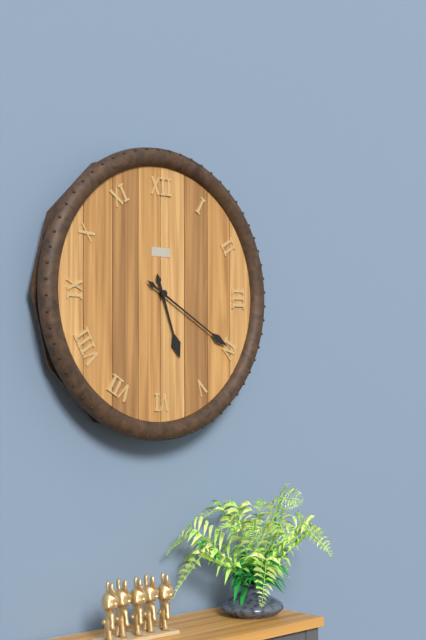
**5:20**
